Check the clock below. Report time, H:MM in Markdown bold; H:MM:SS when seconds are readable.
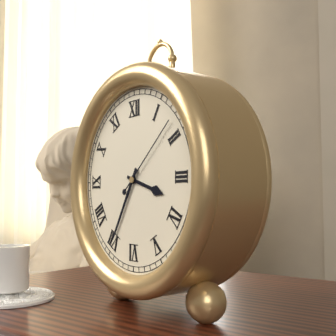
**3:35:08**
